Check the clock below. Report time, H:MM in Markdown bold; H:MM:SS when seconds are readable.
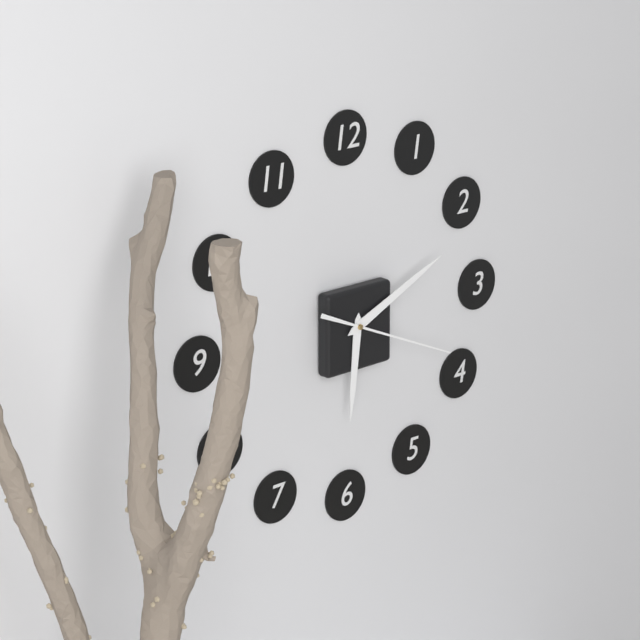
**6:11:19**
